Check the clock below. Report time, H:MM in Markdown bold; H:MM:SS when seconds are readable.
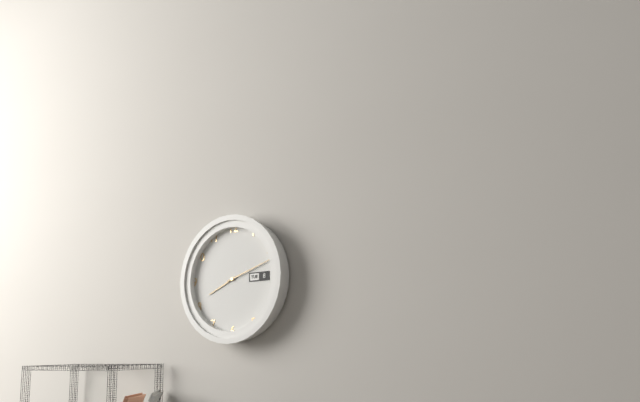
**8:12**
